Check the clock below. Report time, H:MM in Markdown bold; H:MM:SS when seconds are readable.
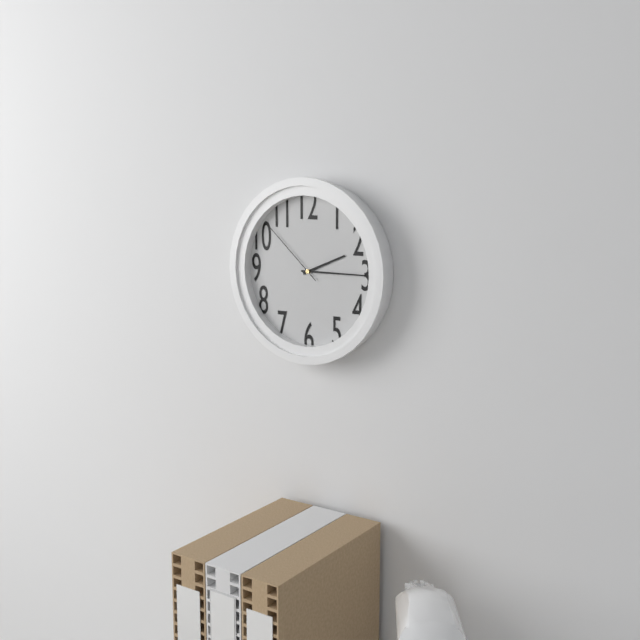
**2:15:52**
